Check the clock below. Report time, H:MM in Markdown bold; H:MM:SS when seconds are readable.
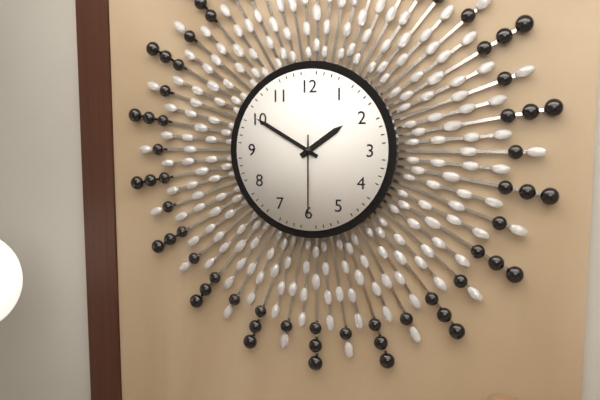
**1:50:30**
